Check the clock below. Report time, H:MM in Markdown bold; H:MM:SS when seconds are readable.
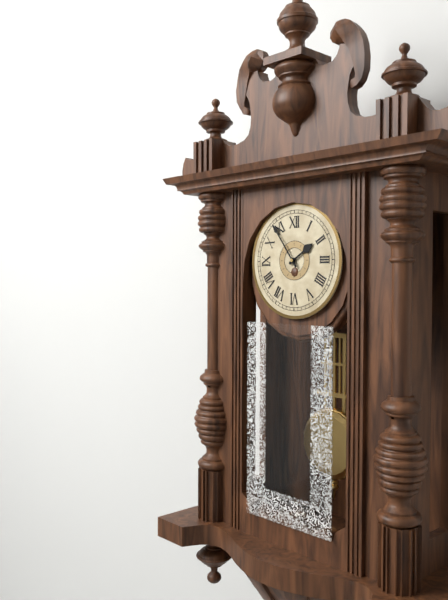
**1:54**
